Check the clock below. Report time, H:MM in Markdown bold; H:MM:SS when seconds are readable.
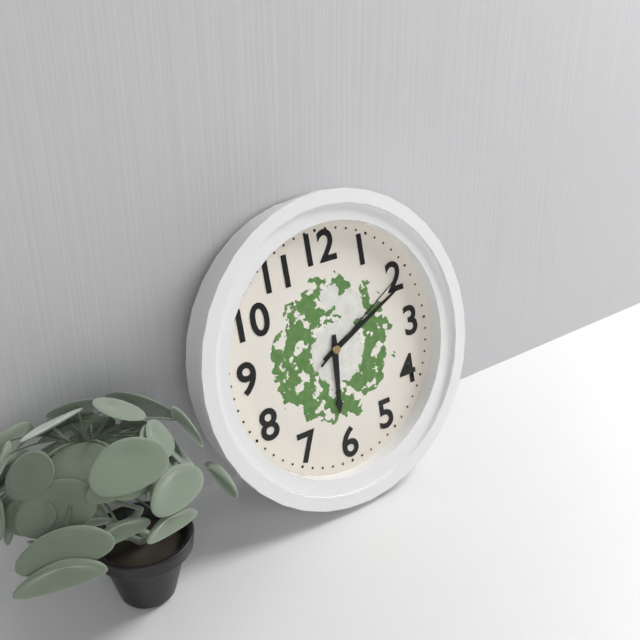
**6:11:10**
